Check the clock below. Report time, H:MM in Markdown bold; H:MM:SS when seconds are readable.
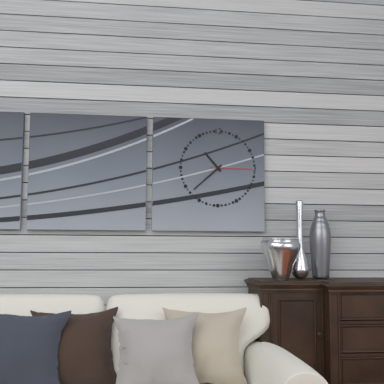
**10:38**
